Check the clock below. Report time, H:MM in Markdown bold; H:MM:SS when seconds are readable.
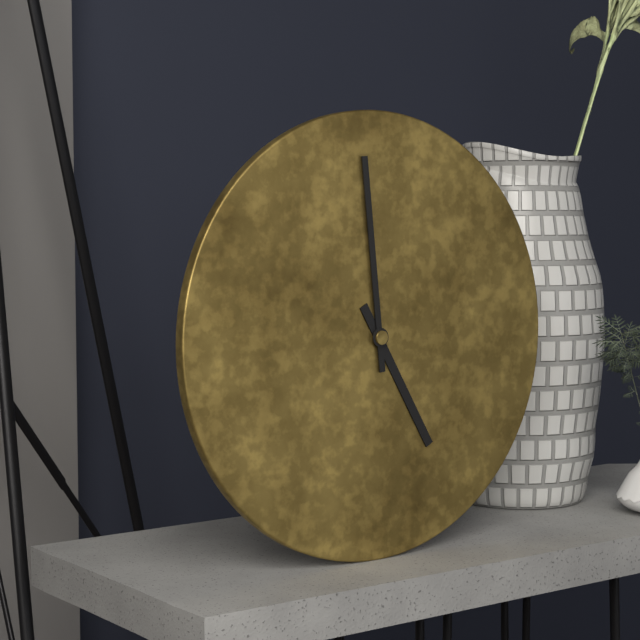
**4:59**
